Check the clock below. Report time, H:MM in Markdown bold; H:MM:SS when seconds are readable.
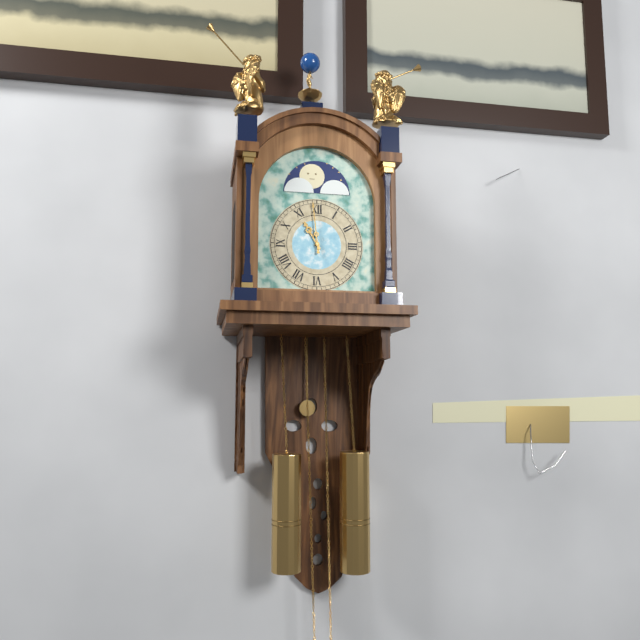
**10:59**
